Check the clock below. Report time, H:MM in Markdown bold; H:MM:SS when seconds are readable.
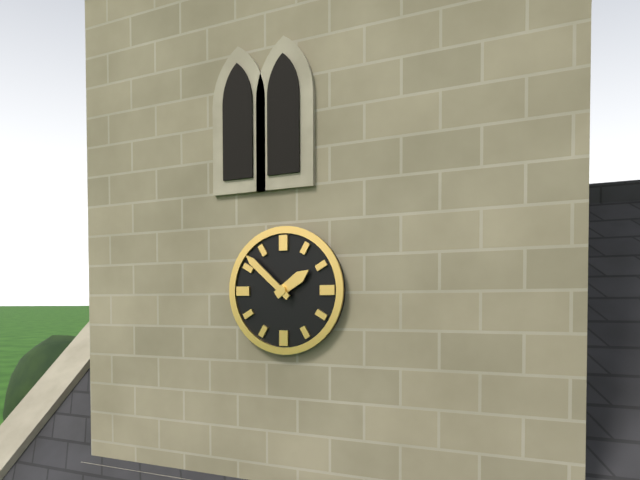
**1:52**
